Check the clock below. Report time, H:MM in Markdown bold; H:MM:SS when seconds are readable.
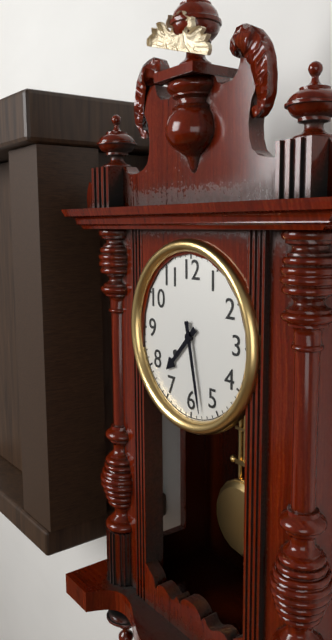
**7:28**
